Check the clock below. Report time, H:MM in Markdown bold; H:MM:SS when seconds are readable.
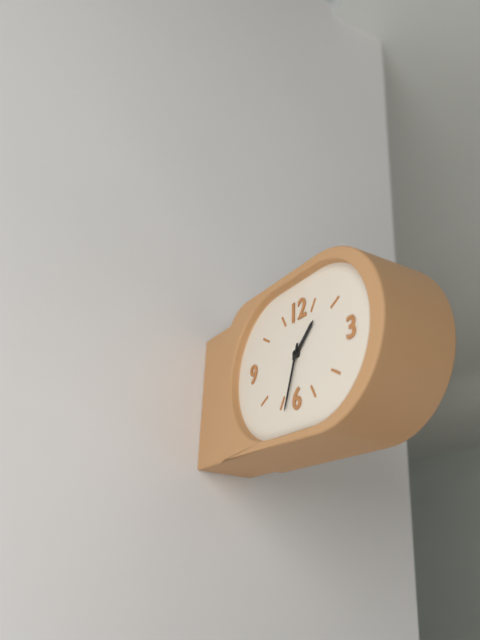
**1:33**
